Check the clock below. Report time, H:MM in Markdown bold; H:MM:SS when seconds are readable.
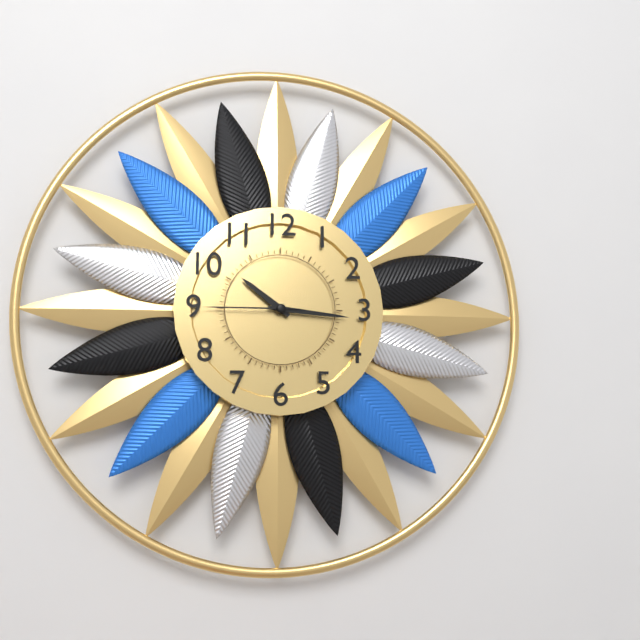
**10:16:45**
